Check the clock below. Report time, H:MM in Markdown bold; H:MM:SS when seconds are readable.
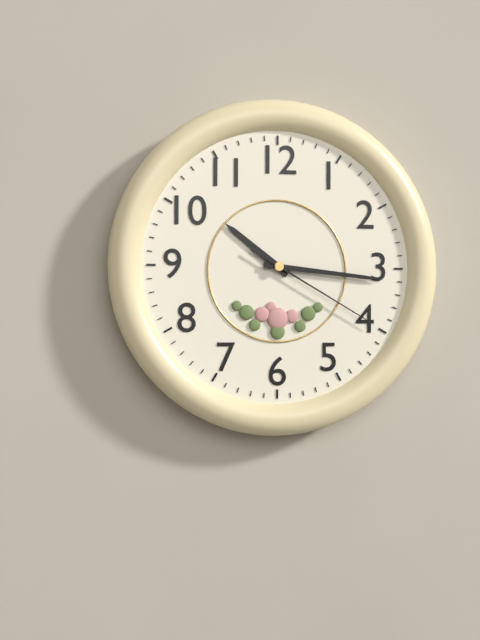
**10:16:20**
